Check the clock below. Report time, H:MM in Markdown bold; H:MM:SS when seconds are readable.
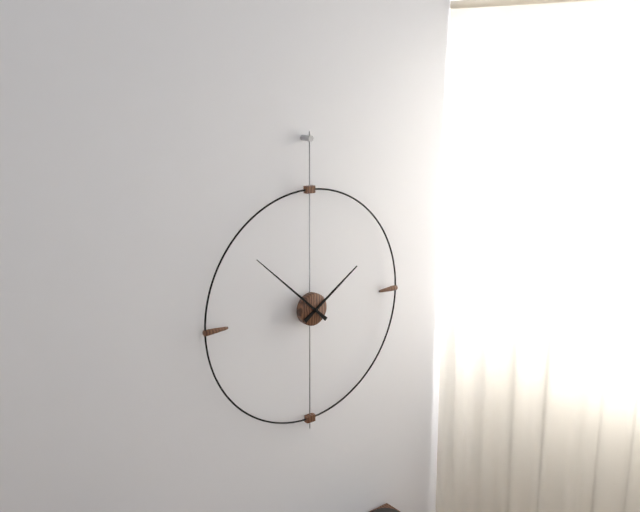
**1:52**
